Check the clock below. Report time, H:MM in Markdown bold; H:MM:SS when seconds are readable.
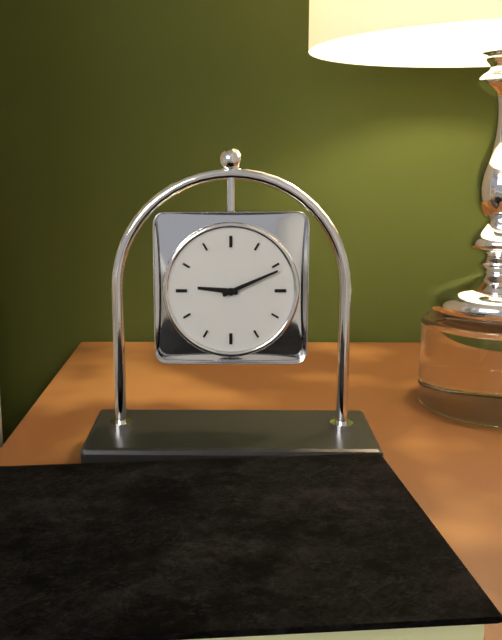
**9:11**
